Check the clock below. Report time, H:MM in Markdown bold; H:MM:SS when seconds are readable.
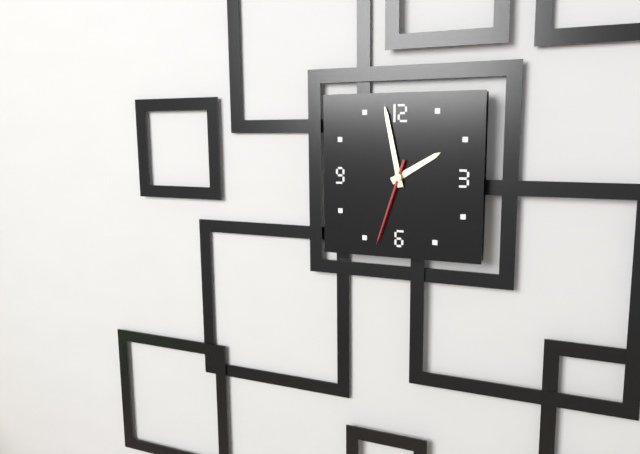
**1:58:33**
